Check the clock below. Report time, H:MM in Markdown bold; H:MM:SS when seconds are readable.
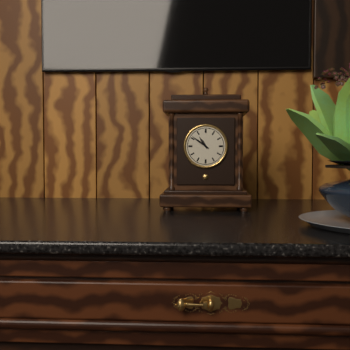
**10:51**
